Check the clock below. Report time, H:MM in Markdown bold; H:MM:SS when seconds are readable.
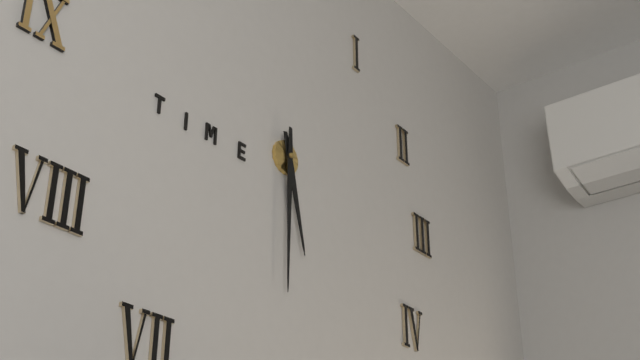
**5:30**
